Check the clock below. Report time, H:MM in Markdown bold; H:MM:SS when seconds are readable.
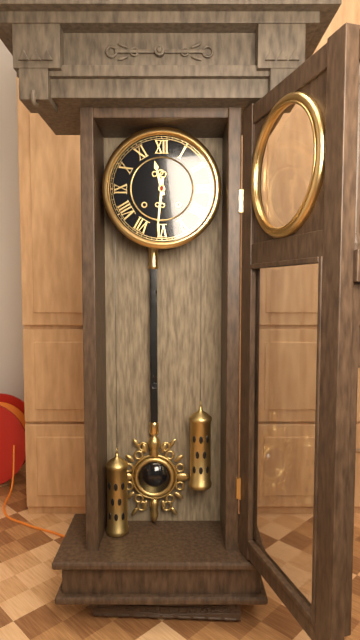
**11:31**
